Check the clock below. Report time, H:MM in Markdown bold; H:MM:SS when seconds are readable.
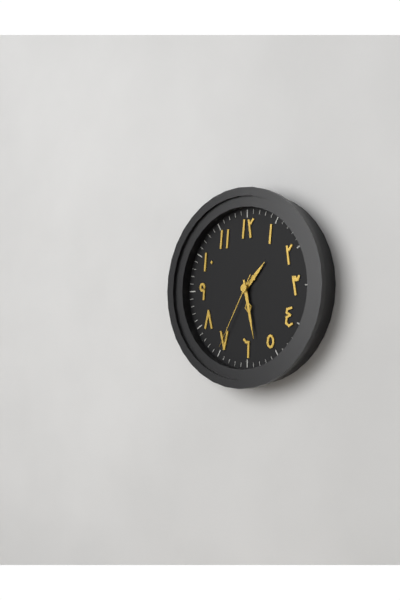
**1:28:35**
